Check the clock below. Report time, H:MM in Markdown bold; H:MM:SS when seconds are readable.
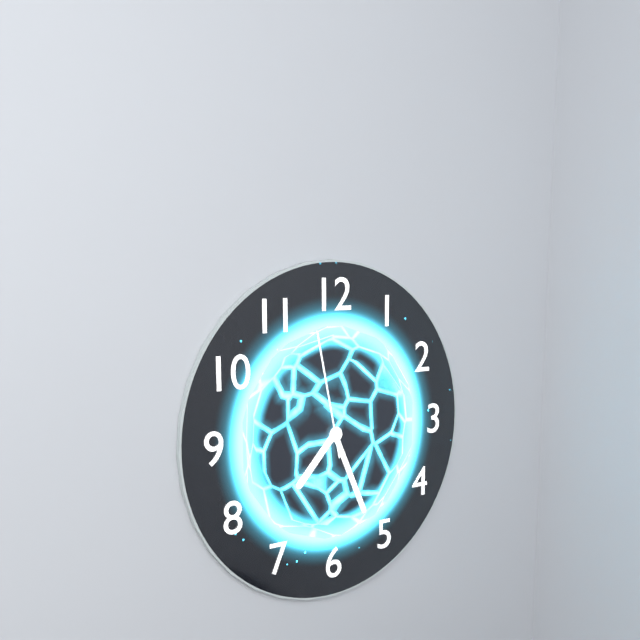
**7:26:58**
